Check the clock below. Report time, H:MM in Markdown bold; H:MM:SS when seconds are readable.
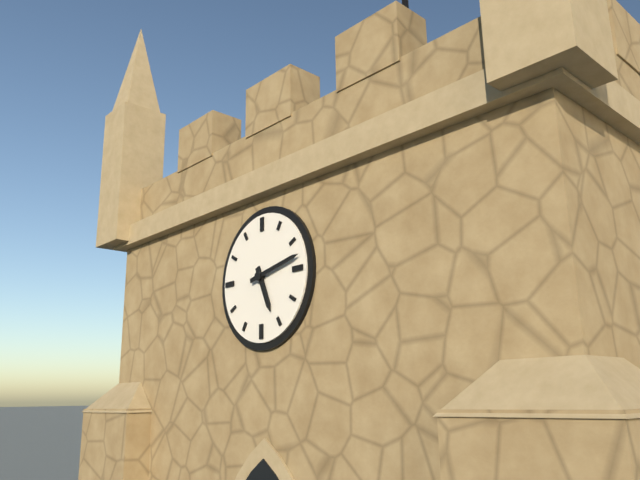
**5:13**
